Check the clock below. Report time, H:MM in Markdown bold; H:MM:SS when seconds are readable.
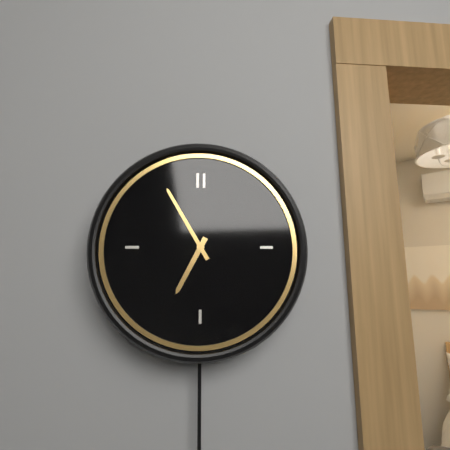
**6:55**
